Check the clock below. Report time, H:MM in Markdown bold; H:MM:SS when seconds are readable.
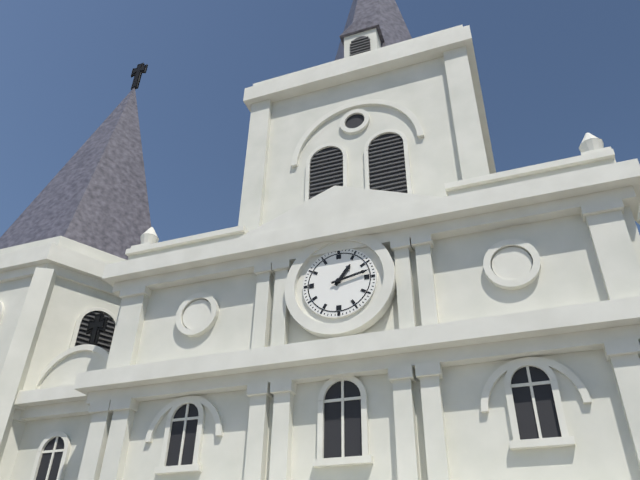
**1:13**
